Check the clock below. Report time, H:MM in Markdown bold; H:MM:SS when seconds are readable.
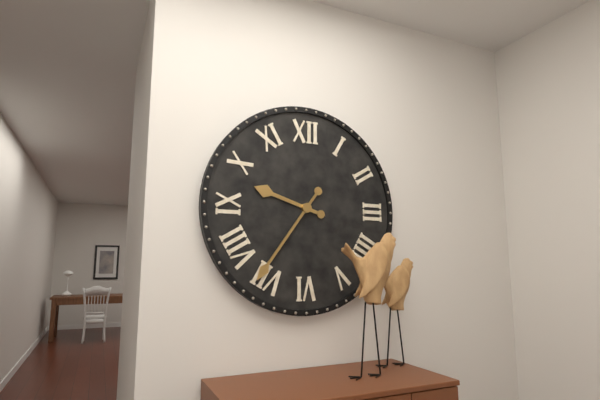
**9:36**
